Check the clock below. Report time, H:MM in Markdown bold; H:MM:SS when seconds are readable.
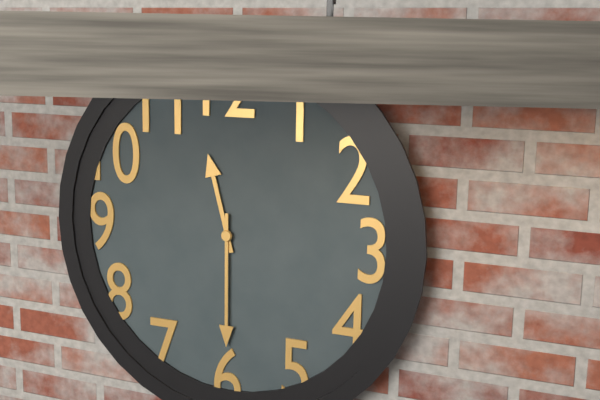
**11:30**
